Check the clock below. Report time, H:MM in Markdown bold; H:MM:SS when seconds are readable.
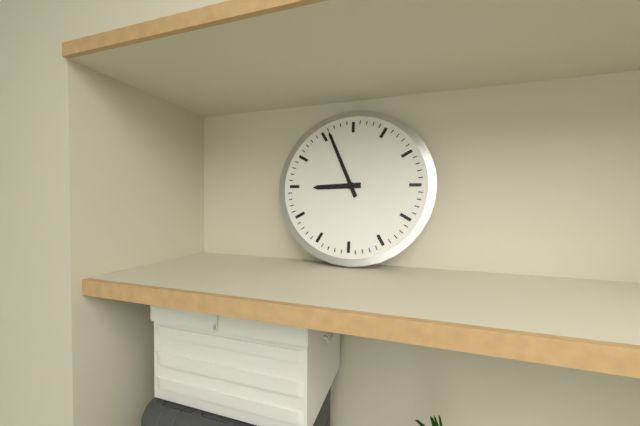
**8:56**
